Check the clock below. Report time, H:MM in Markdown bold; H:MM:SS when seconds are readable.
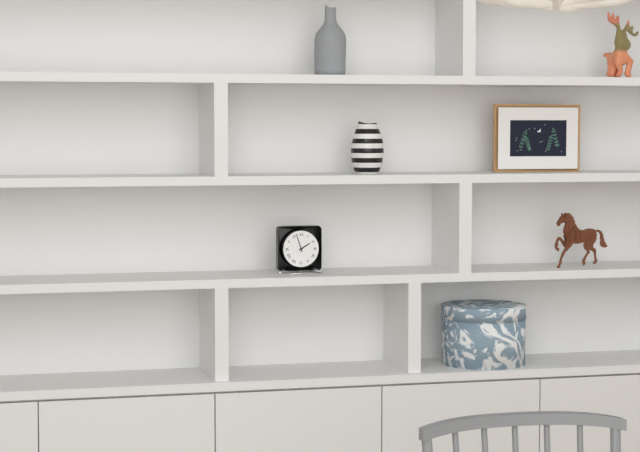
**1:57**
